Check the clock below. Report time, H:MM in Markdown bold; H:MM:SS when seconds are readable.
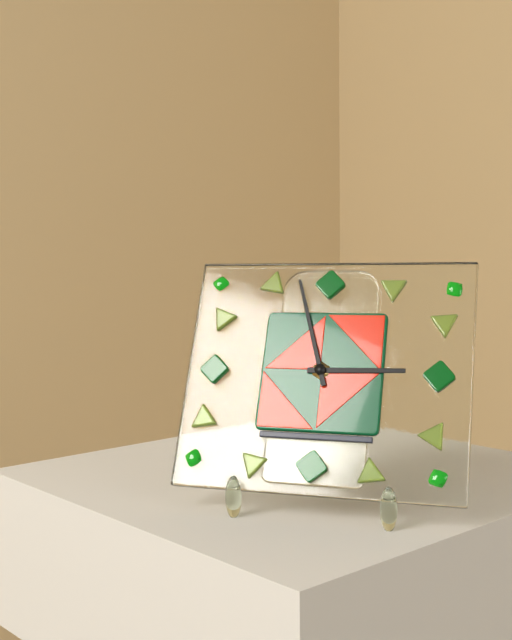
**2:57**
